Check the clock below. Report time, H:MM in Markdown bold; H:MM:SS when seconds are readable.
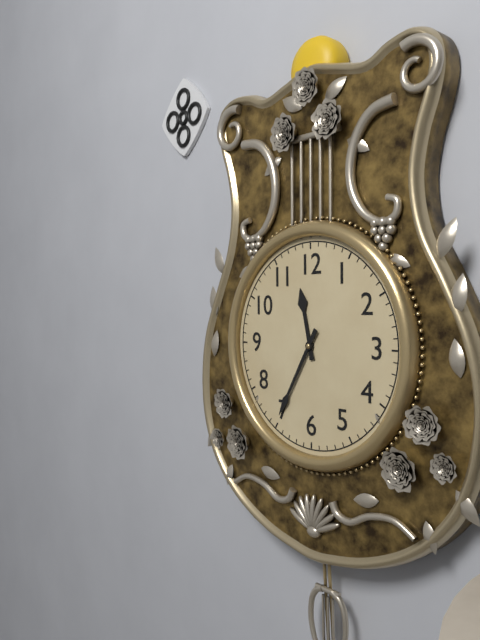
**11:35**
